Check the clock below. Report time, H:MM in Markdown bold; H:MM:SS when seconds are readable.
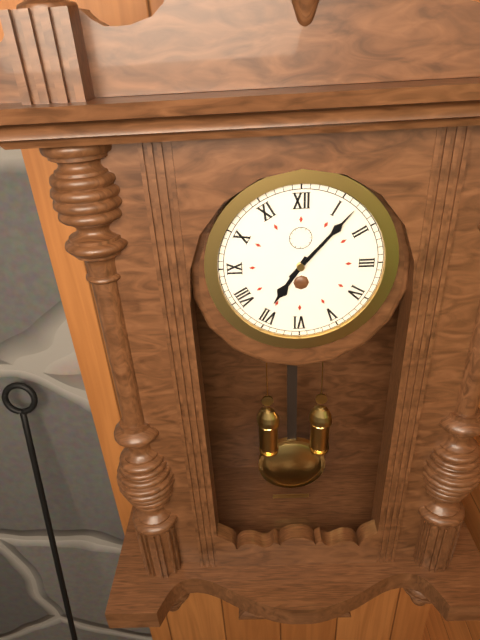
**7:07**
